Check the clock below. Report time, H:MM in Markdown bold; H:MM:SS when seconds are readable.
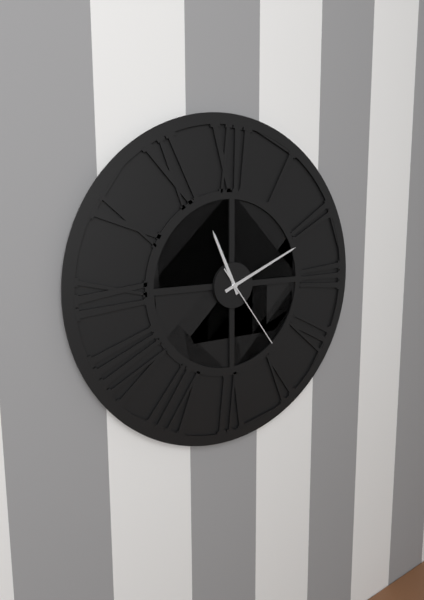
**11:11:24**
